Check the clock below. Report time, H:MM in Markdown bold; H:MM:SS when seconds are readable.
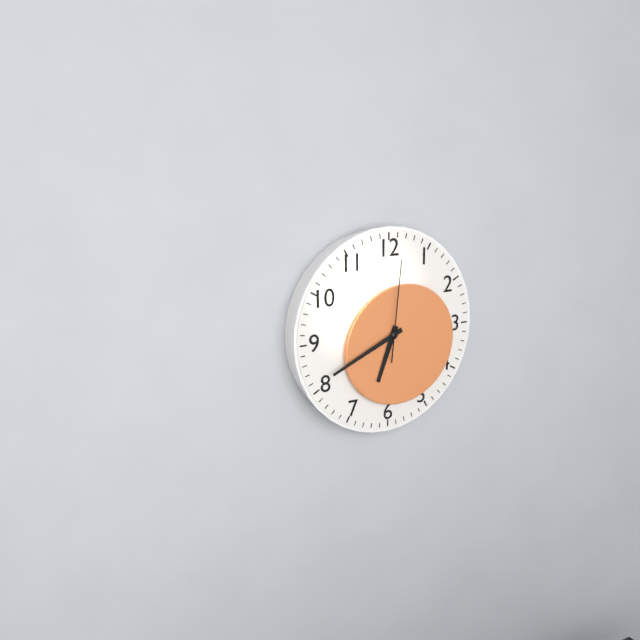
**6:41:01**
